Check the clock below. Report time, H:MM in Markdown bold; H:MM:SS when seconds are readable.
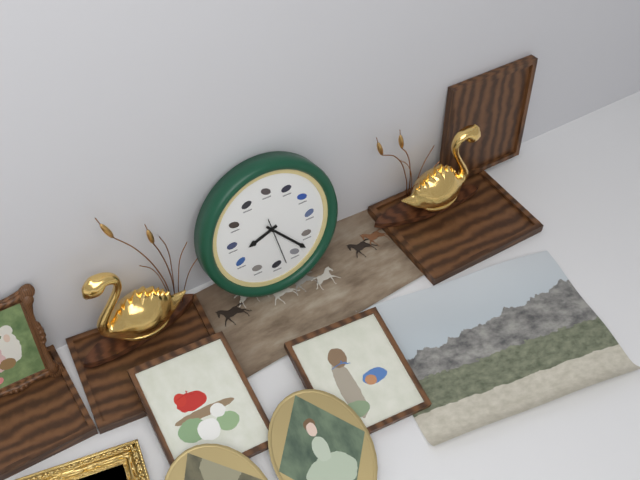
**8:23:28**
